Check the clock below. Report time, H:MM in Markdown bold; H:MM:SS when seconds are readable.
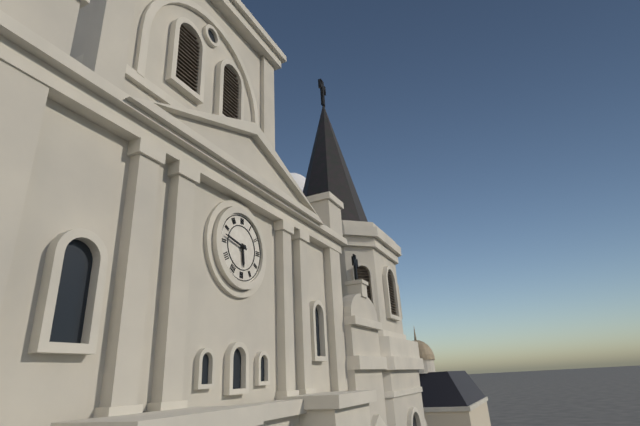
**5:47**
